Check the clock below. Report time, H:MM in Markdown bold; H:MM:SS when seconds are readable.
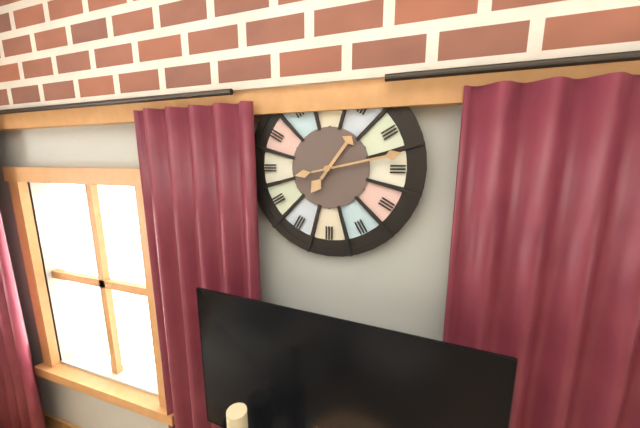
**1:13**
